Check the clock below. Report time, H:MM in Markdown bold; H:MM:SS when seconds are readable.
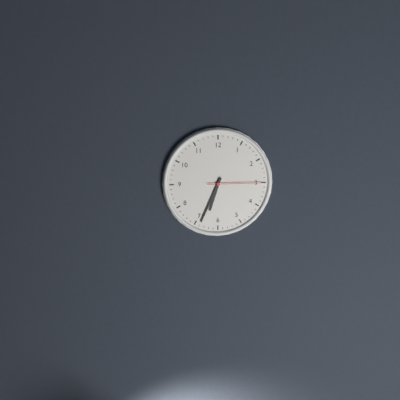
**6:34:15**
